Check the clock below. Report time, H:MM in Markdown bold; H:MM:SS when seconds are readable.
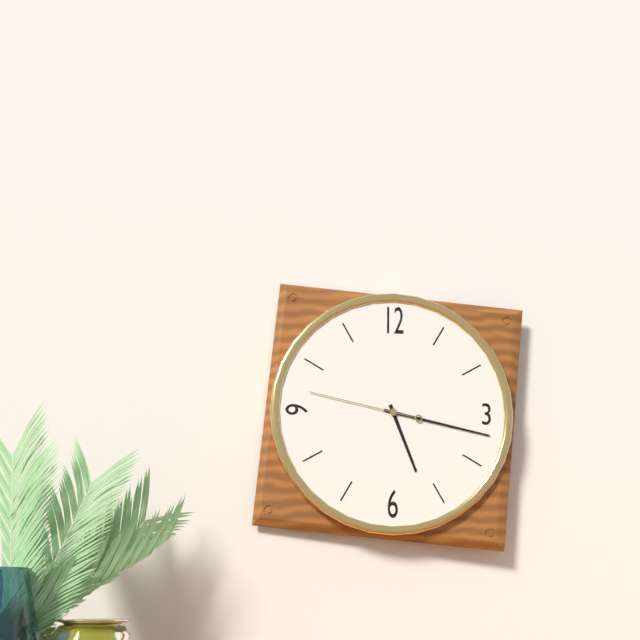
**5:17:47**
